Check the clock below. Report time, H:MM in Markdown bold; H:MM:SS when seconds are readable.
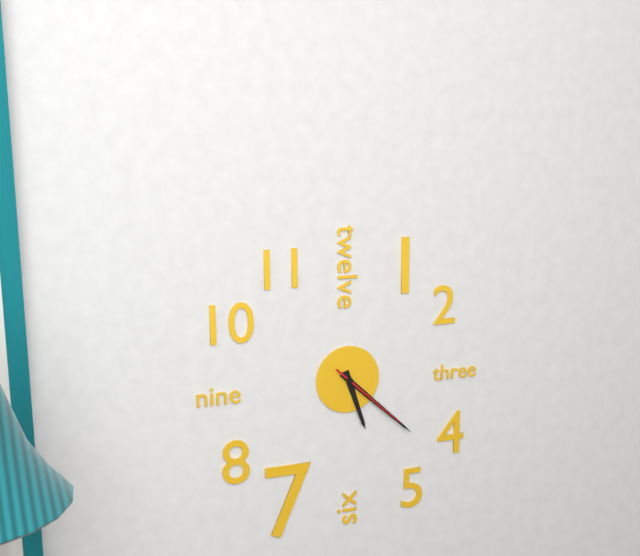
**5:22:22**
